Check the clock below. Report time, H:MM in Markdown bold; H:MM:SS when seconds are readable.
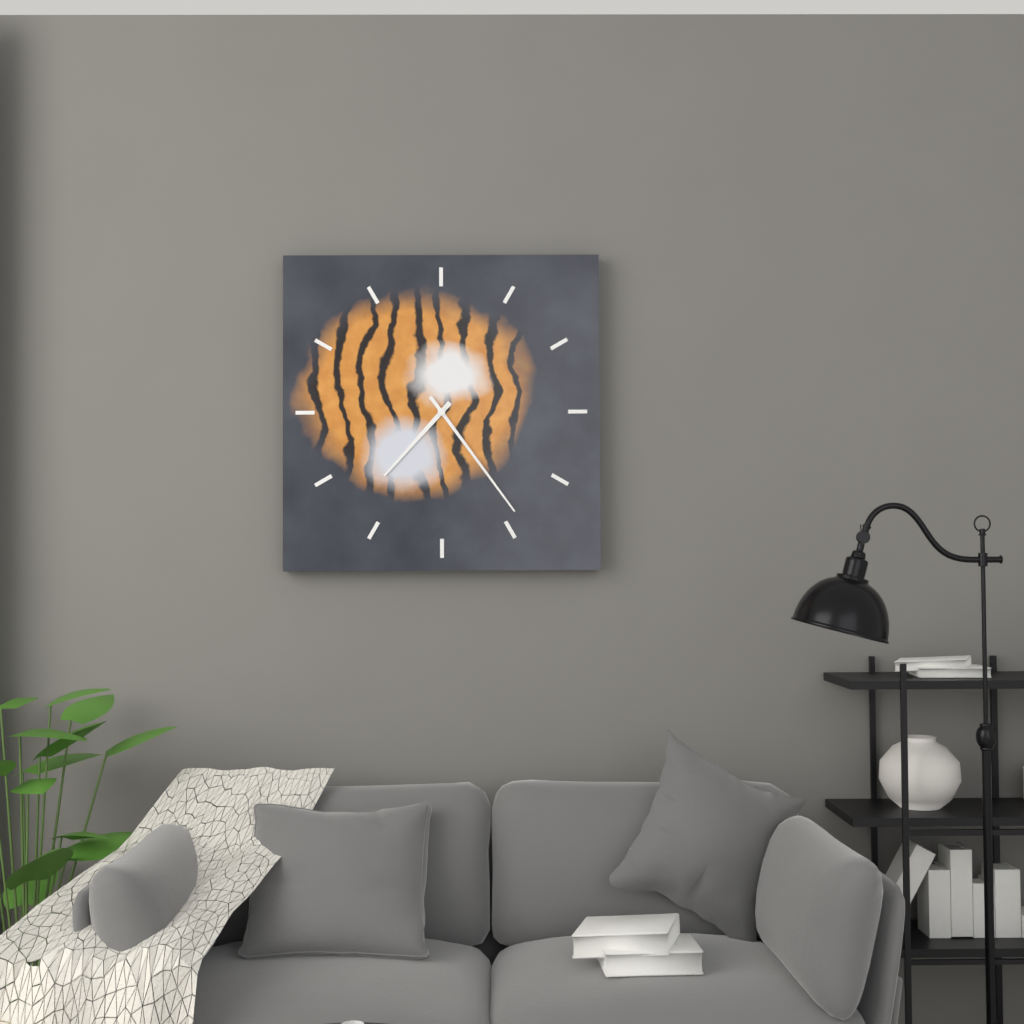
**7:24**
